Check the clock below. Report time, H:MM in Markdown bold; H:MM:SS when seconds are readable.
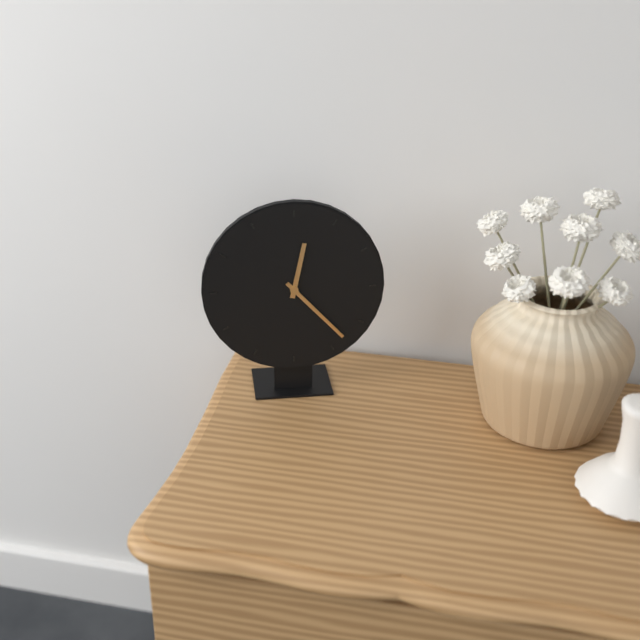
**12:23**
